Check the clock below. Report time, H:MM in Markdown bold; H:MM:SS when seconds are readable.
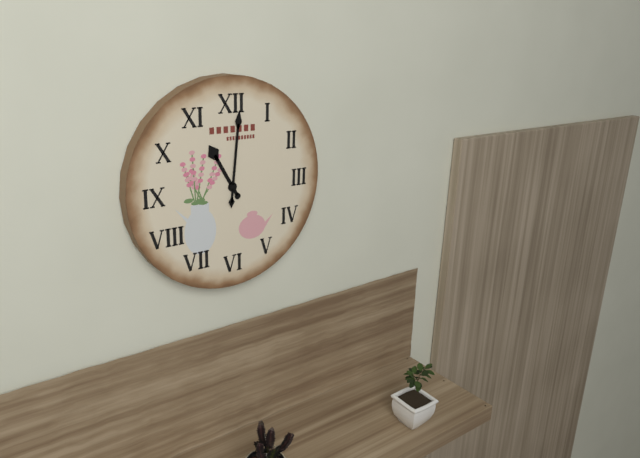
**11:01**
